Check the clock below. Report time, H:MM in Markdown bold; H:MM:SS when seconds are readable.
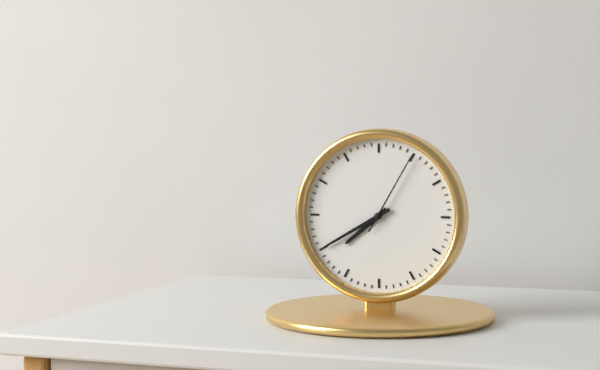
**7:40:05**
